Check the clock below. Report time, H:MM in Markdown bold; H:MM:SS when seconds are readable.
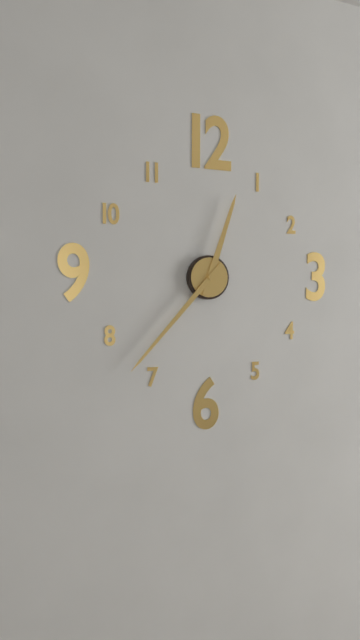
**12:37**
